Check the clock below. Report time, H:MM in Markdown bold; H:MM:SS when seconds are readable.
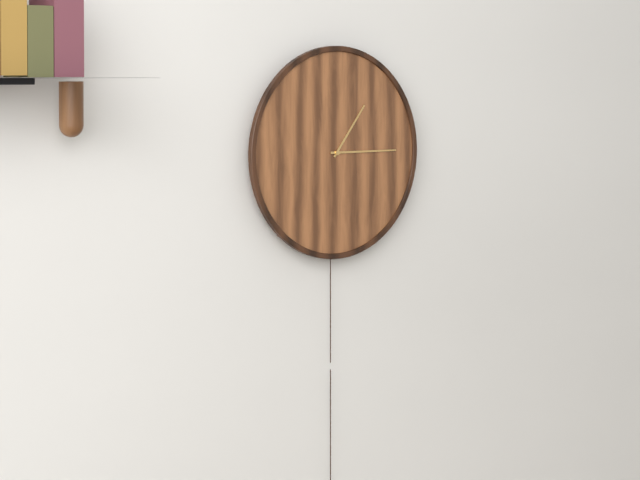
**1:15**
